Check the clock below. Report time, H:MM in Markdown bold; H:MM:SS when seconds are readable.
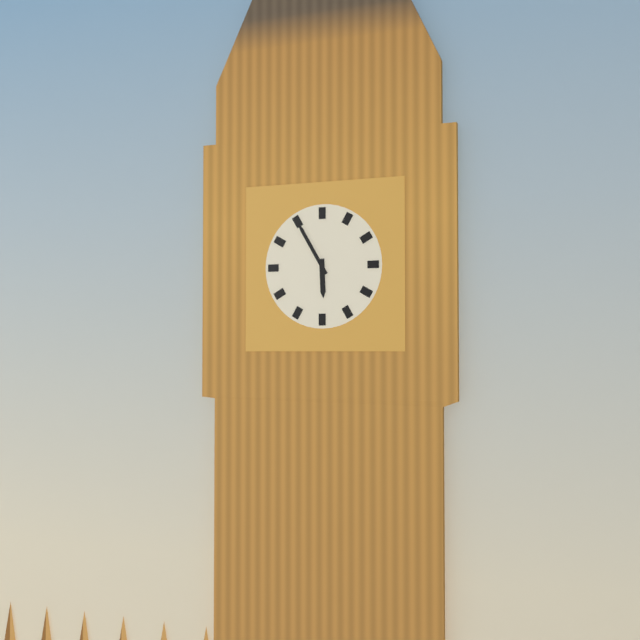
**5:55**
